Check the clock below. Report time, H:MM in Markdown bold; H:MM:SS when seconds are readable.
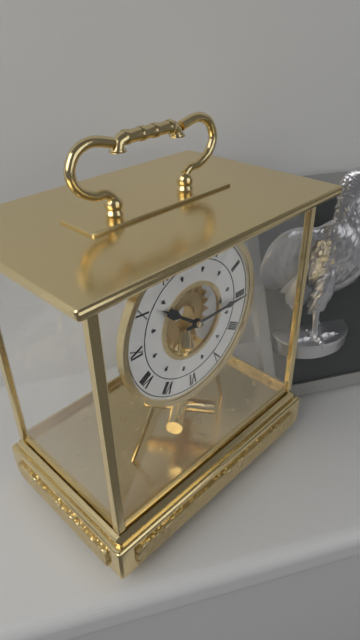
**10:15**
